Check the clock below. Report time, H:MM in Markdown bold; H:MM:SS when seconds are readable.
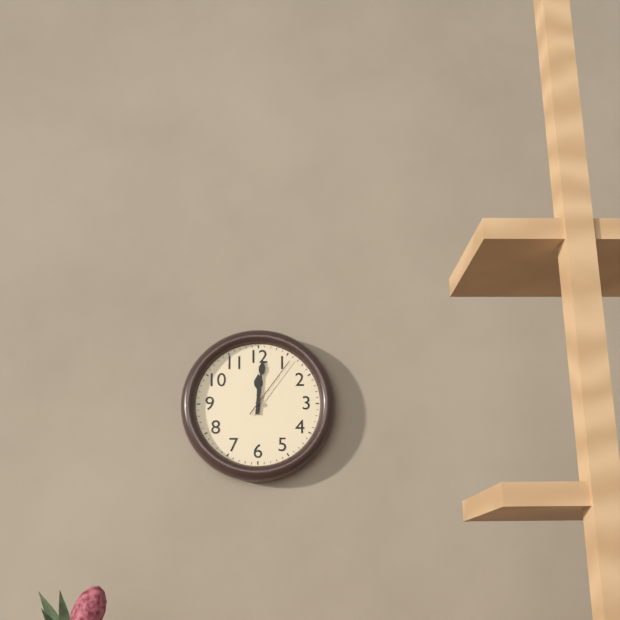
**12:01:06**
